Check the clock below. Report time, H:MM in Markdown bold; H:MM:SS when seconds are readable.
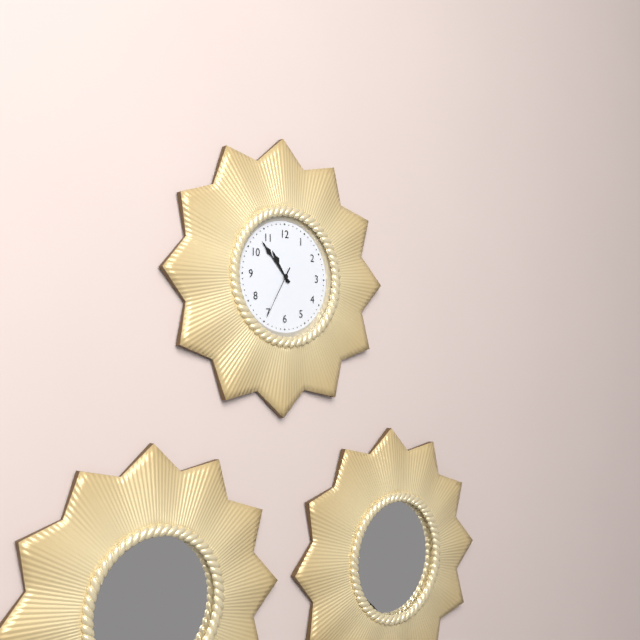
**10:53:35**
